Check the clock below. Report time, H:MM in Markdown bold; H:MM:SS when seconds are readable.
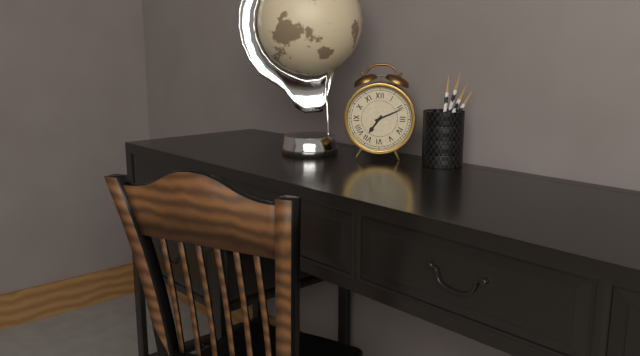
**7:11**
